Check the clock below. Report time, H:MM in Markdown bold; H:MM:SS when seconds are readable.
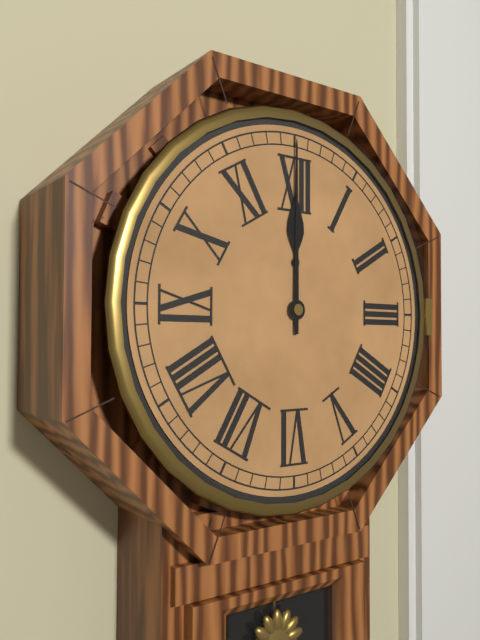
**12:00**
